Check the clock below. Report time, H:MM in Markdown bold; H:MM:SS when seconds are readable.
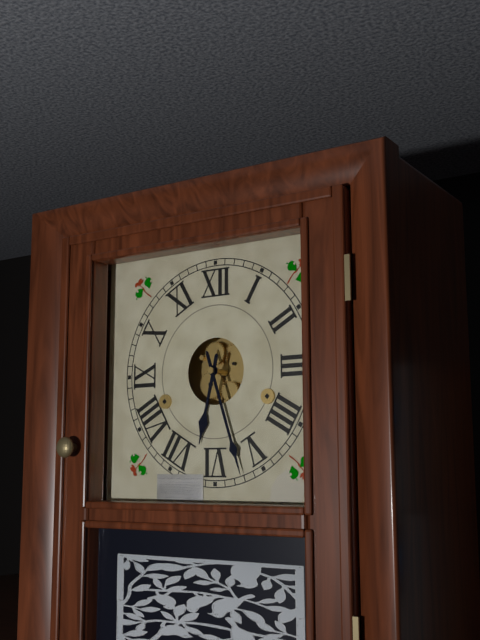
**6:27**
